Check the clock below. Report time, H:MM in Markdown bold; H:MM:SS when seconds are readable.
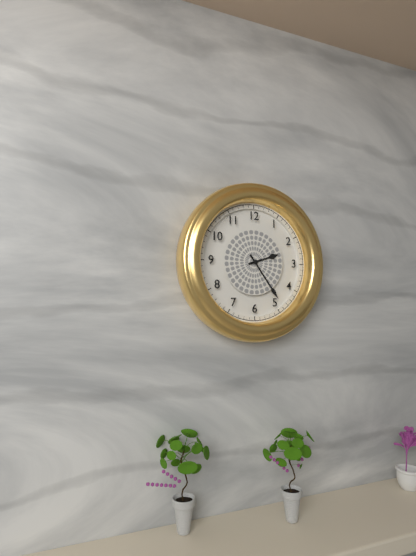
**2:24**
